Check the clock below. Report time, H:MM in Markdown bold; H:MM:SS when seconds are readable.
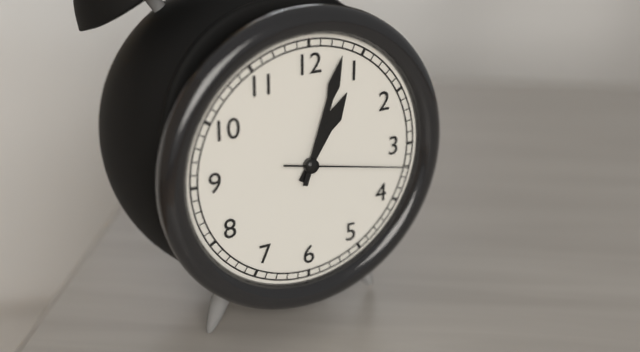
**1:03:17**
